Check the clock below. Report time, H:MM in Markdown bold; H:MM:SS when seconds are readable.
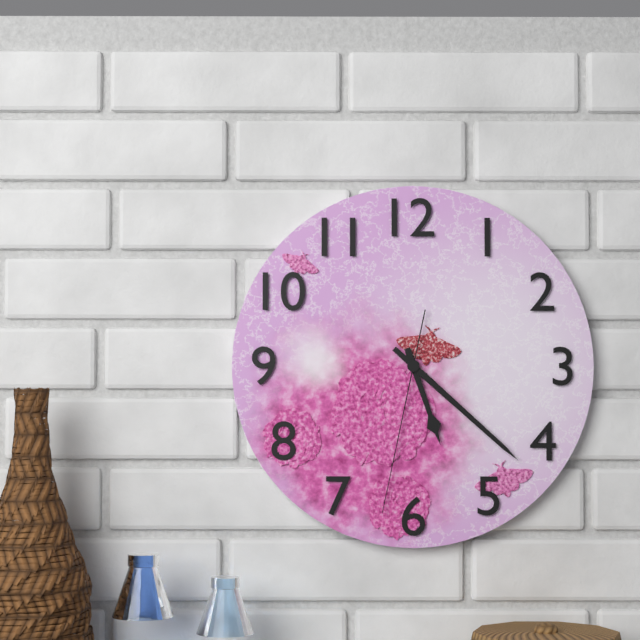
**5:22:32**
